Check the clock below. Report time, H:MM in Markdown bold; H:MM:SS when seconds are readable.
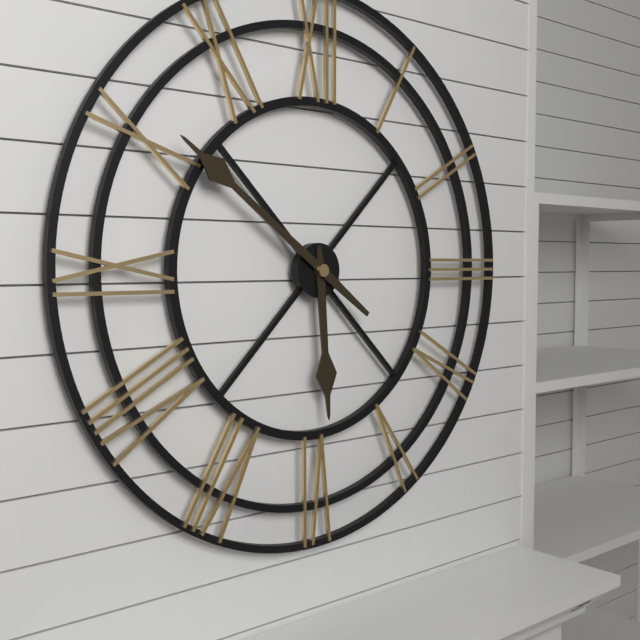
**5:51**
